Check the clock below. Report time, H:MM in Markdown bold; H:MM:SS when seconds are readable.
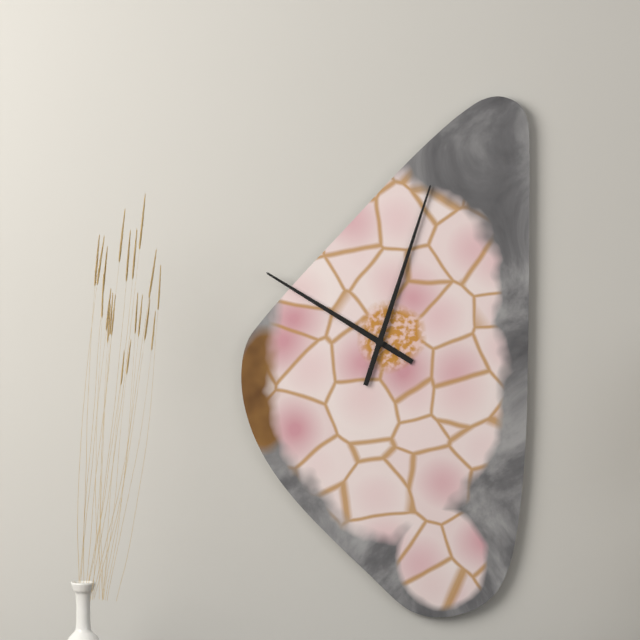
**10:03**
